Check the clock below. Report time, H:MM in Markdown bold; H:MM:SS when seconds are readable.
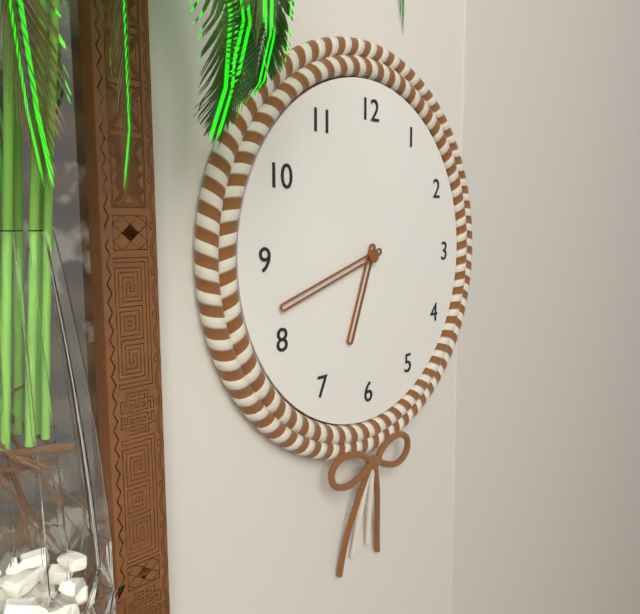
**6:42**
